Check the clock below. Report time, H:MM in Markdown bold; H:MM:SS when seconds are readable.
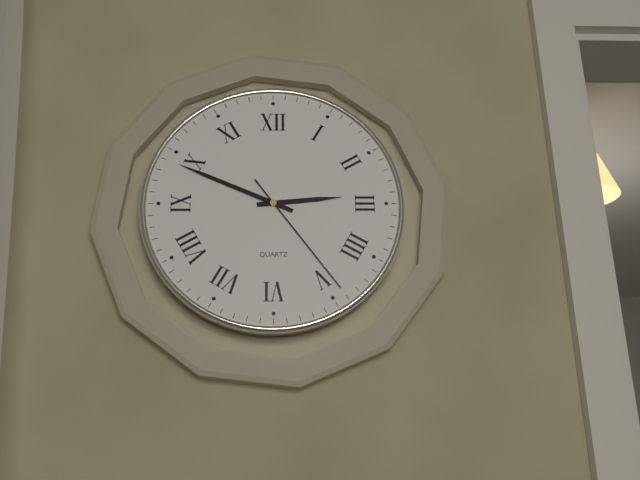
**2:49:24**
